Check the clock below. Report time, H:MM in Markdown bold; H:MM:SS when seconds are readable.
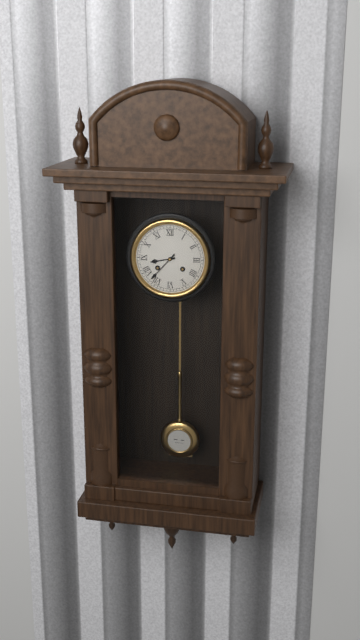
**8:37**
